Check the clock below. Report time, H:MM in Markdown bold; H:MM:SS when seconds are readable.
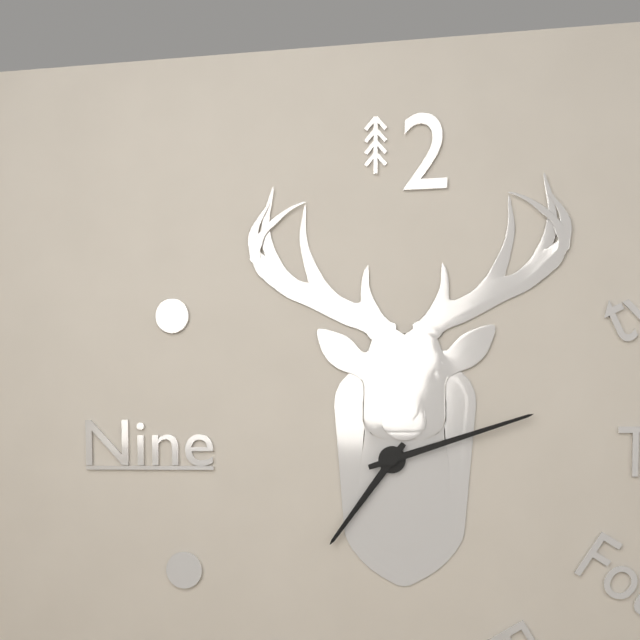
**7:12**
